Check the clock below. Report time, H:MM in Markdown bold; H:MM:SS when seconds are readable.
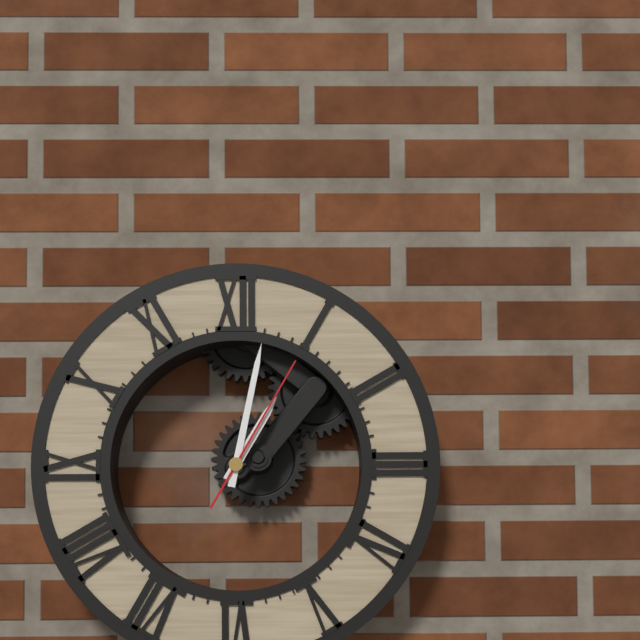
**1:02:05**
